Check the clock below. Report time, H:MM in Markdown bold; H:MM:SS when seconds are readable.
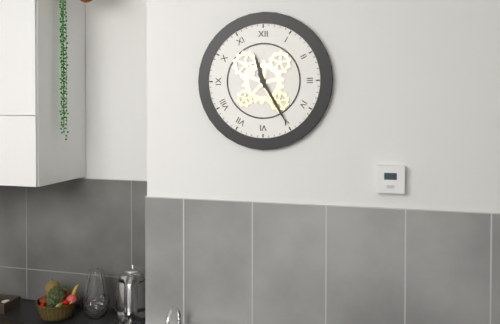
**11:25**
